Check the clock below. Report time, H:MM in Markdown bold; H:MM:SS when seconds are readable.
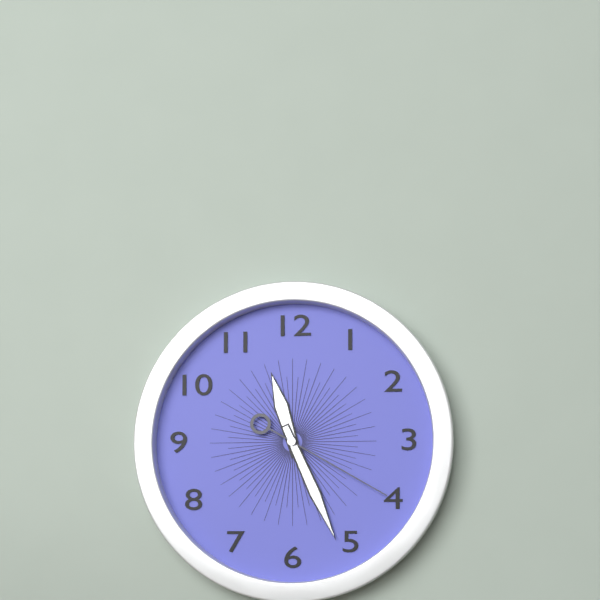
**11:26:20**
